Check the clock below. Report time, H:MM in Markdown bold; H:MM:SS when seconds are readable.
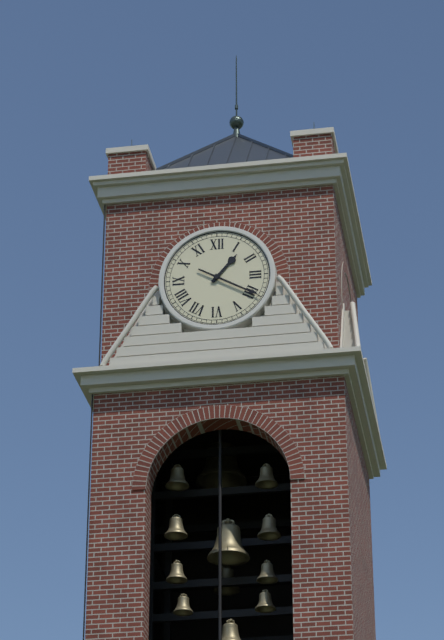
**1:20**
